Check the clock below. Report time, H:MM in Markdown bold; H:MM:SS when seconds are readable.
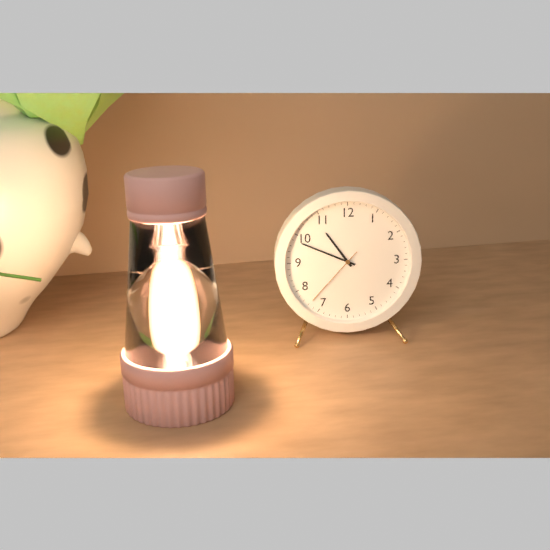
**10:49:37**
